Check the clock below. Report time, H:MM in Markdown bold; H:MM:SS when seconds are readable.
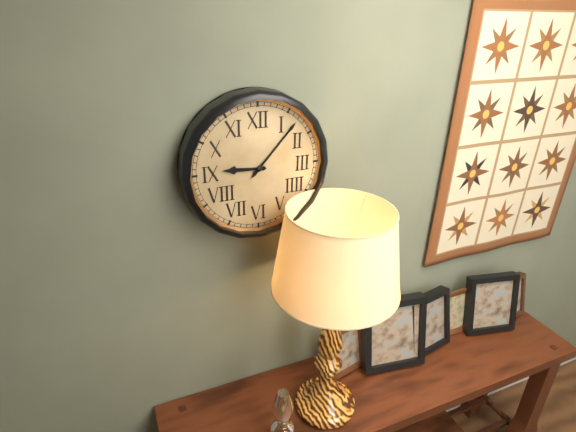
**9:07**
